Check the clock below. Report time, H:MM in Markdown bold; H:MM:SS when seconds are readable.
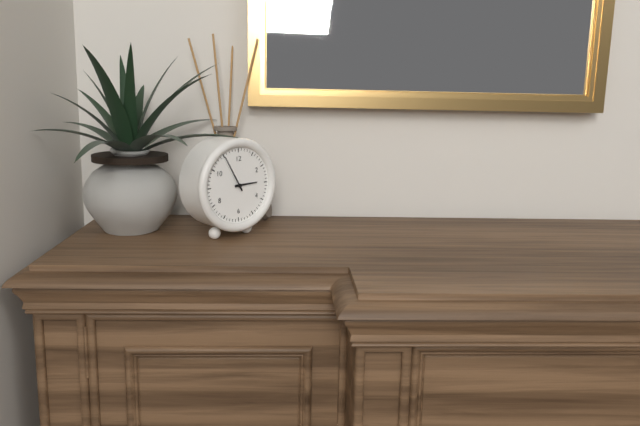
**2:55**
